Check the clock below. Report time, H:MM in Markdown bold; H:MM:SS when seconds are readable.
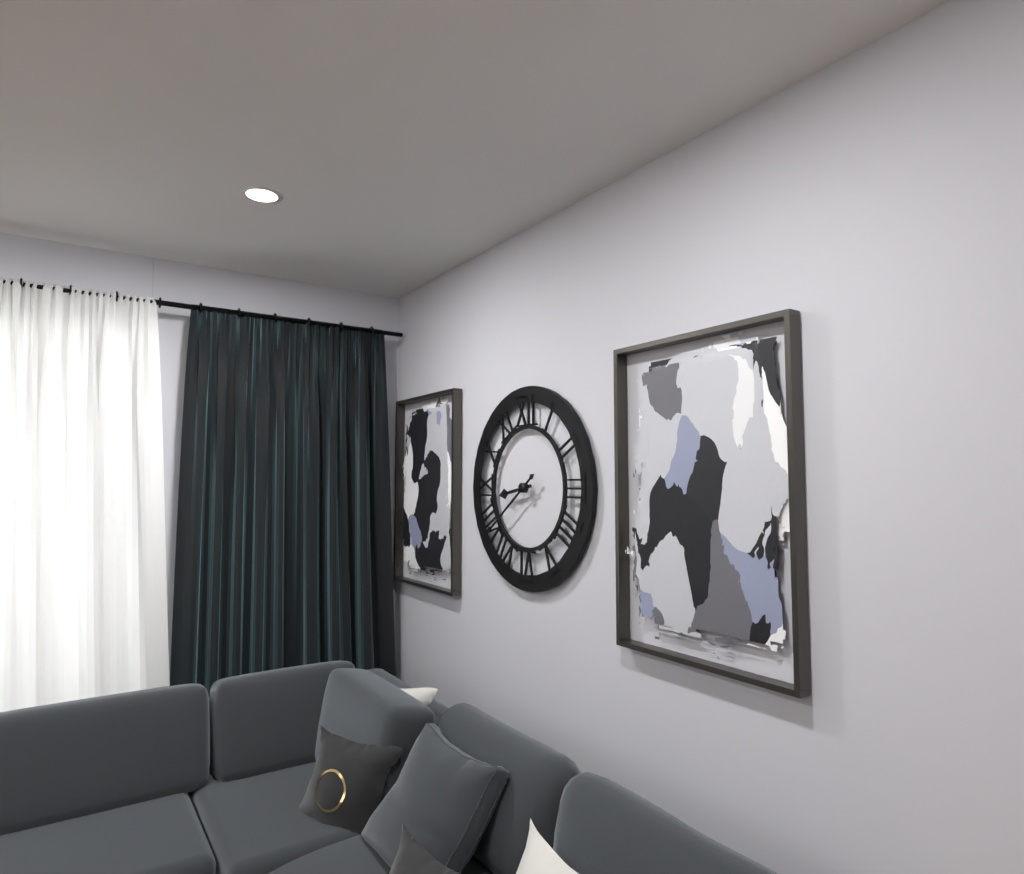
**8:39**
